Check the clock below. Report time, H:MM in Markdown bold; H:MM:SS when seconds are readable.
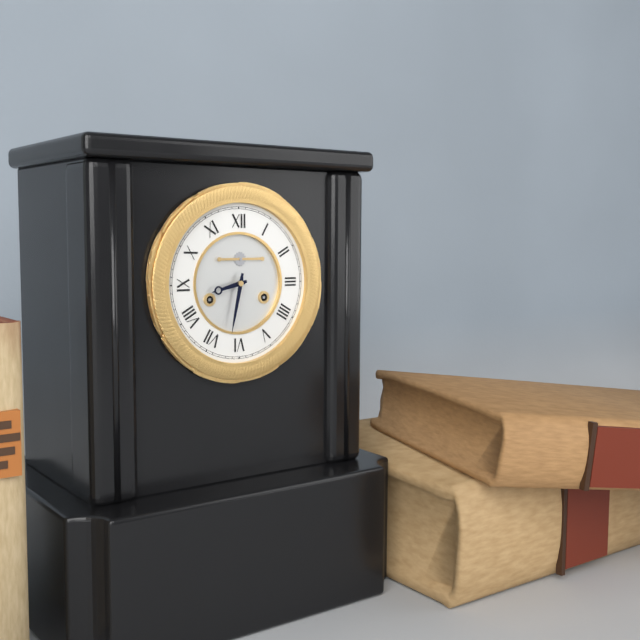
**8:32**
